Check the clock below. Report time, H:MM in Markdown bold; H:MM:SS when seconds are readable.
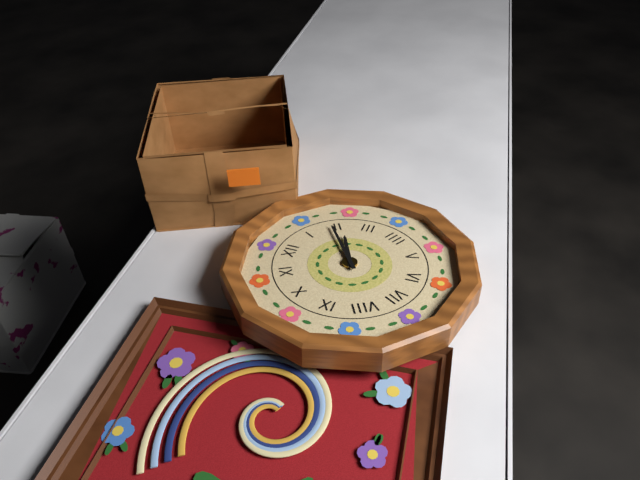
**2:09**
